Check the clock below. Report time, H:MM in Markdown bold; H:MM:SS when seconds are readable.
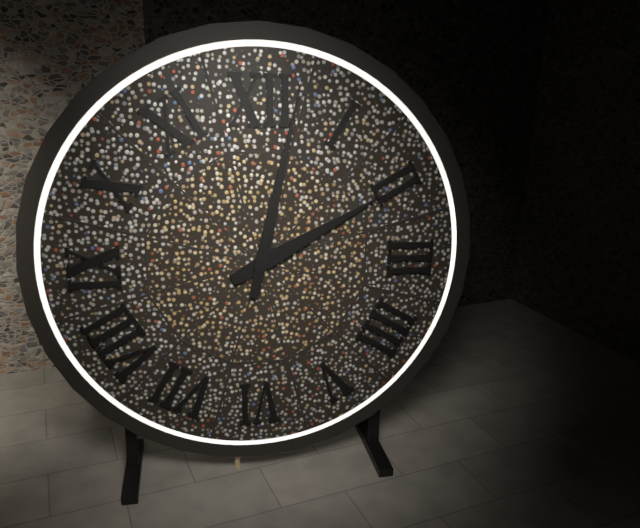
**2:02**
